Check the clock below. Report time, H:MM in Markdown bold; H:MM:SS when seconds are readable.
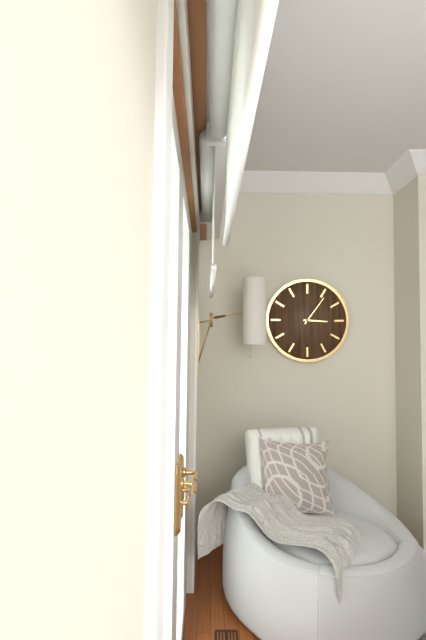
**3:06**
